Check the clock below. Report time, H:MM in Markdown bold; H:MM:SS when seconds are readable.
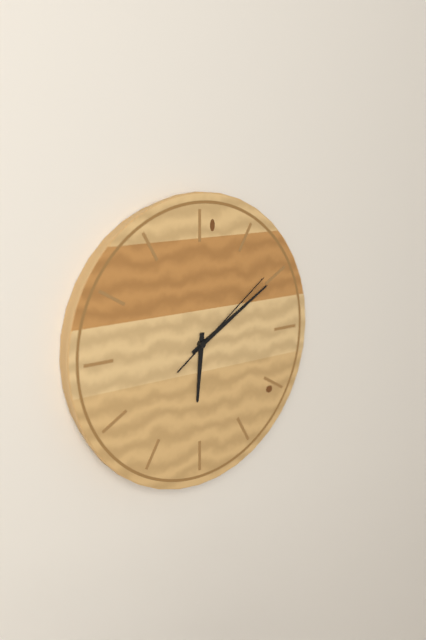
**6:10:09**
